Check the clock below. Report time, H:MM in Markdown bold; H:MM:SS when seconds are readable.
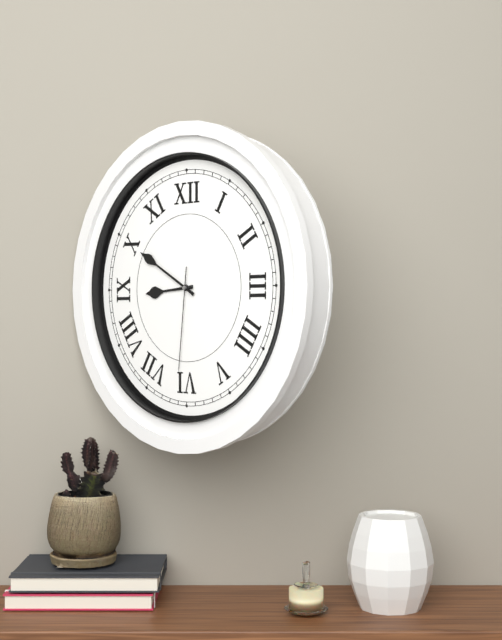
**8:50:31**
